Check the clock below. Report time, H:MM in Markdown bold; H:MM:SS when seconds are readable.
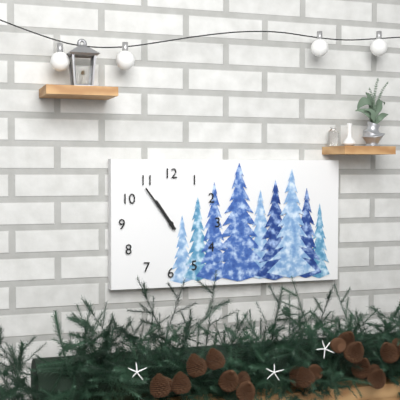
**10:54**
